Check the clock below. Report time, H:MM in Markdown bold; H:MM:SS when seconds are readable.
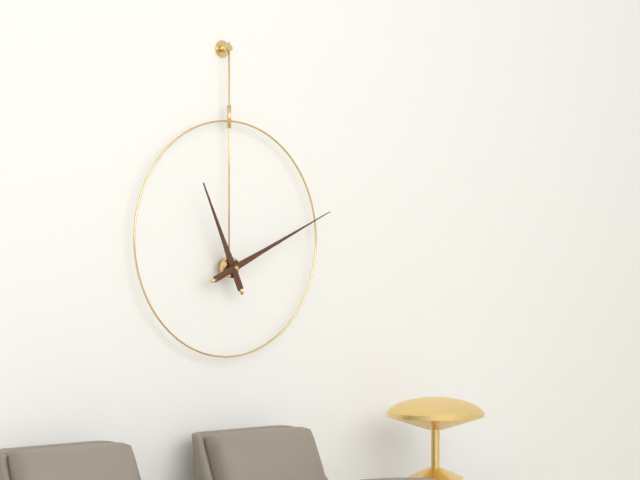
**11:11**
